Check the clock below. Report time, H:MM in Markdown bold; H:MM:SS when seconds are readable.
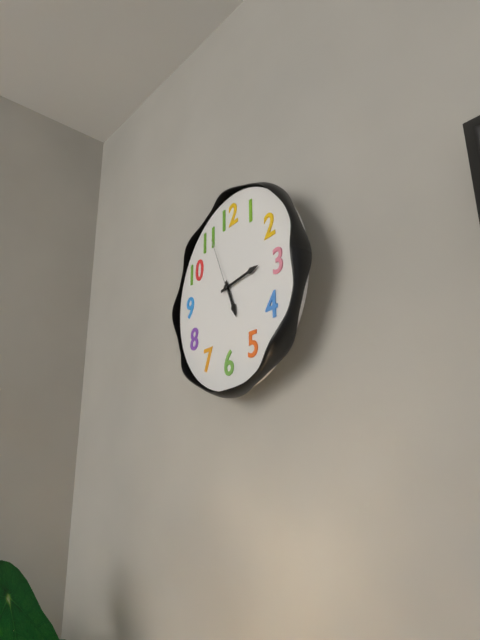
**5:14:56**
